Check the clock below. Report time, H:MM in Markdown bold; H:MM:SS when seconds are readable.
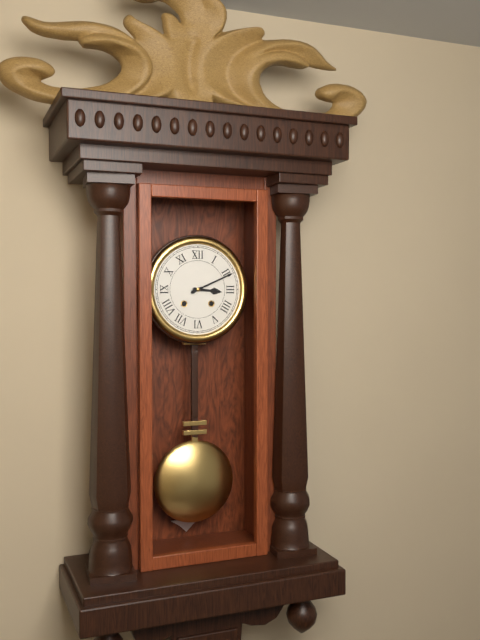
**3:11**
